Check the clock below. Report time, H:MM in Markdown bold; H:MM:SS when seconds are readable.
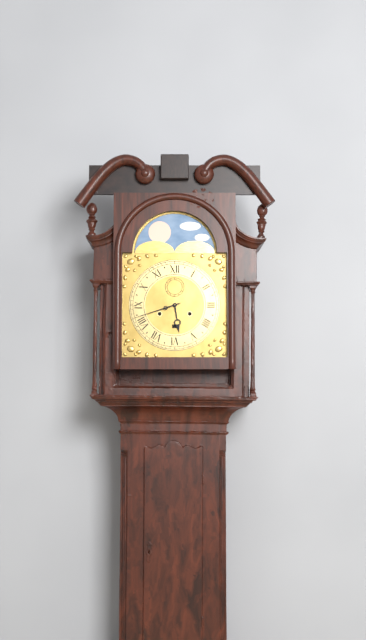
**5:42**
